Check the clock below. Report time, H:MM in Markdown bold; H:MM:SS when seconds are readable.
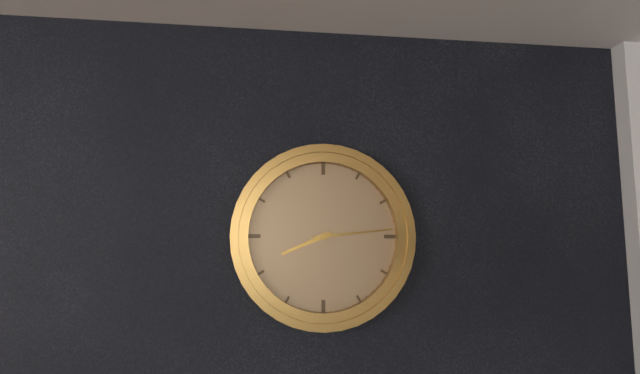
**8:14**
